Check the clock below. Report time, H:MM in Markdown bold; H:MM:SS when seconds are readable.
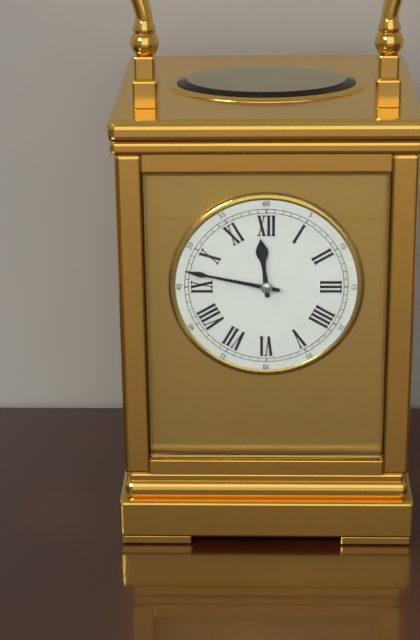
**11:47**
